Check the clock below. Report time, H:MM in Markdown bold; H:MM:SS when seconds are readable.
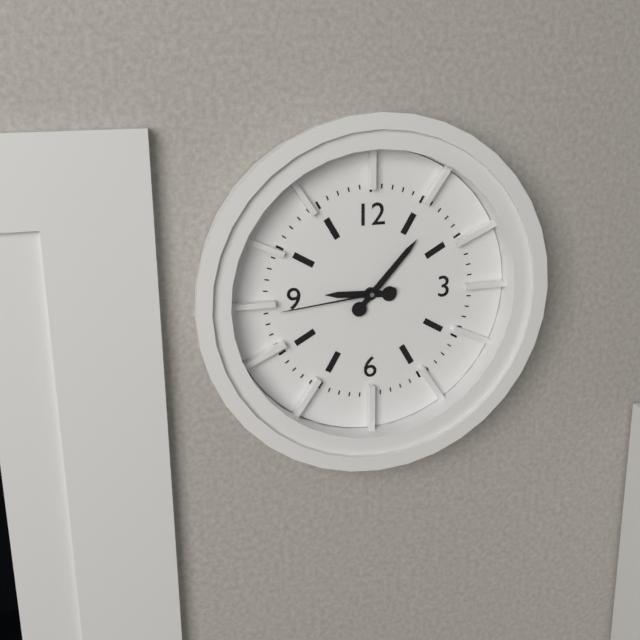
**9:07:44**
